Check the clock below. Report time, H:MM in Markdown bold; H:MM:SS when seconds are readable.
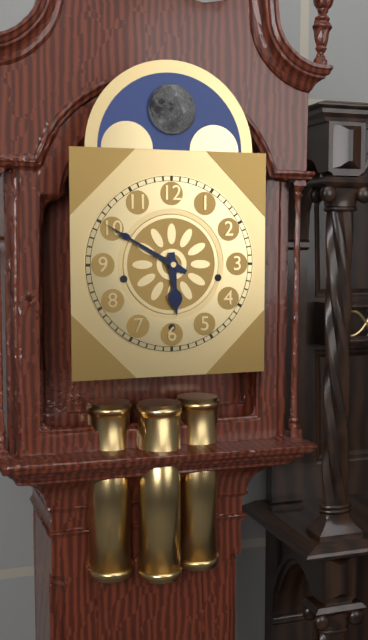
**5:50**
